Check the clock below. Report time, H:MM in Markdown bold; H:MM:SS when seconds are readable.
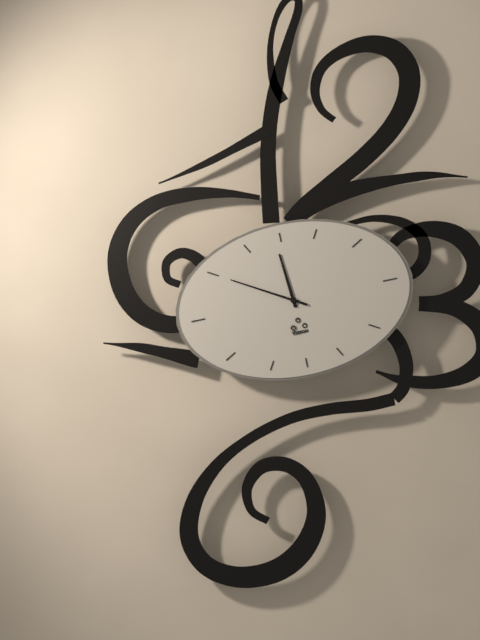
**11:50**
